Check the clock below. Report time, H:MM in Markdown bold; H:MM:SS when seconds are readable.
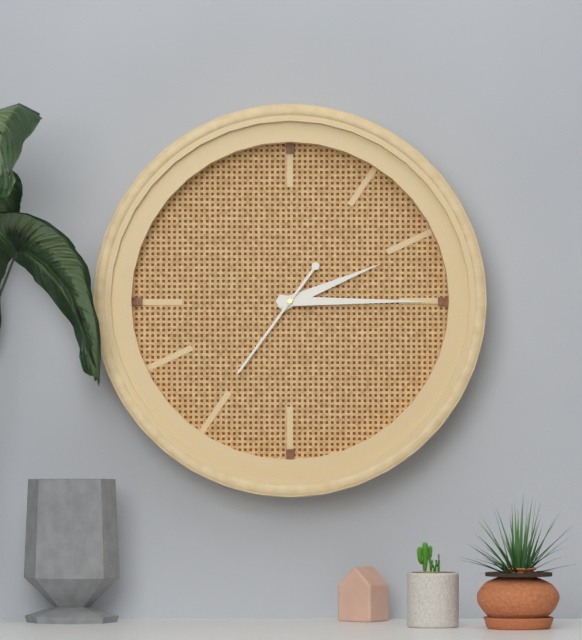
**2:15:36**
